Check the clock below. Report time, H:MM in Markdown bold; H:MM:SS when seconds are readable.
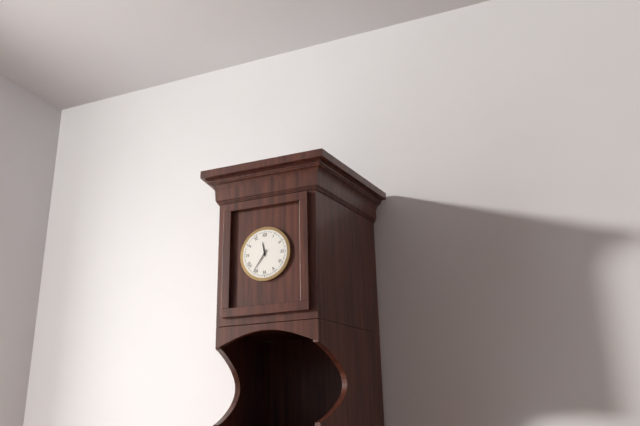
**11:36**
